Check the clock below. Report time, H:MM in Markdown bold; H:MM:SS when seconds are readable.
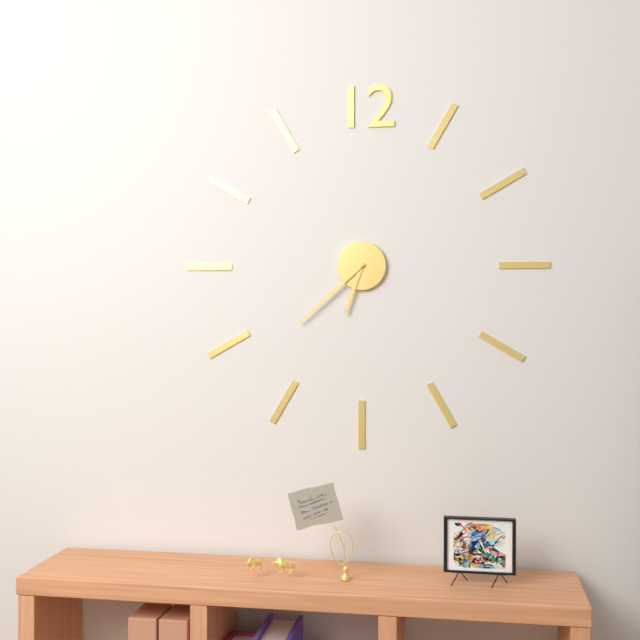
**6:38**
